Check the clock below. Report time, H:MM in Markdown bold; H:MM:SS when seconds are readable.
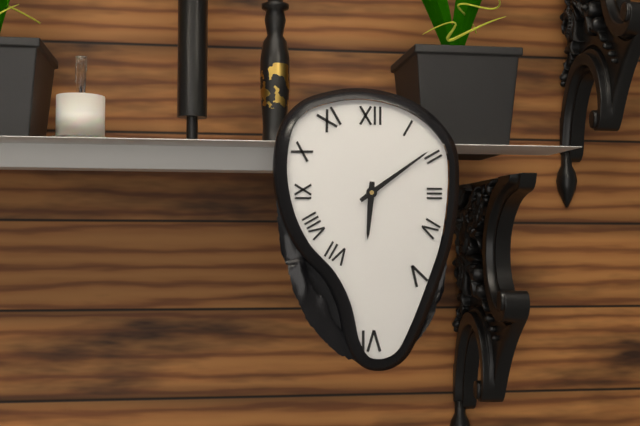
**6:09**
